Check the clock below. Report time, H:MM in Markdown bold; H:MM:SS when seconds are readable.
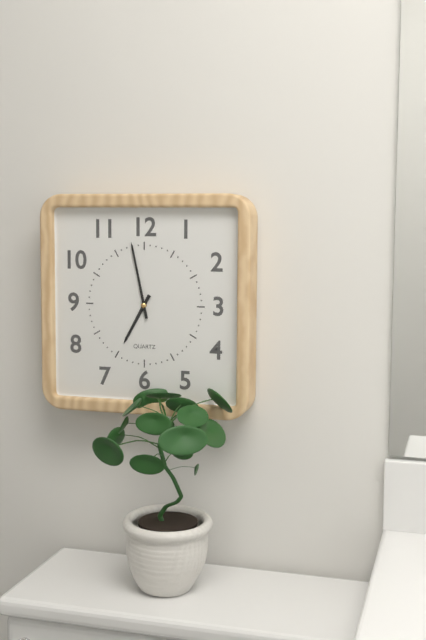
**6:58**
